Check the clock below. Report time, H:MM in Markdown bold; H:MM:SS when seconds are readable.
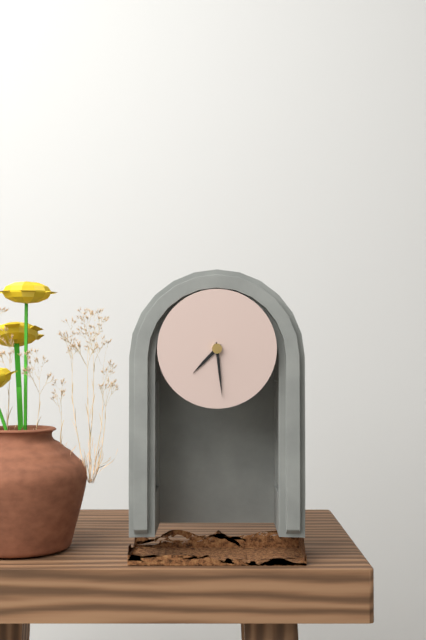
**7:29**
